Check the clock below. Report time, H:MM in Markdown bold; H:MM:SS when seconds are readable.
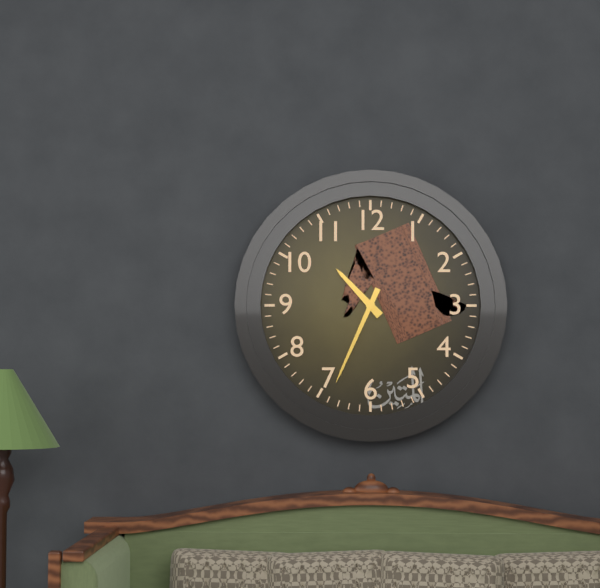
**10:34**
